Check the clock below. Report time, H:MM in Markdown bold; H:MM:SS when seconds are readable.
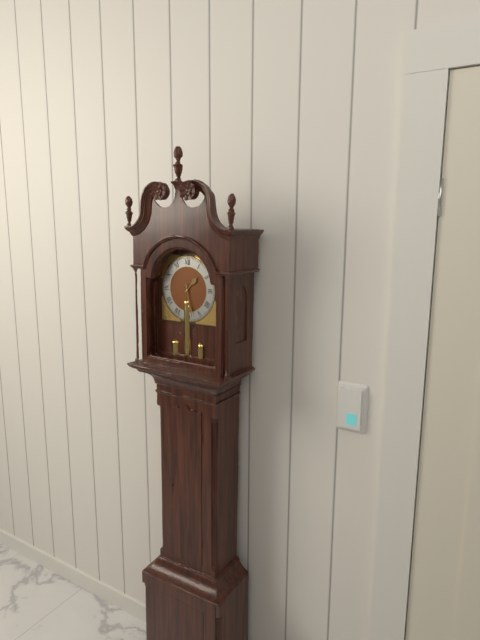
**1:28**
